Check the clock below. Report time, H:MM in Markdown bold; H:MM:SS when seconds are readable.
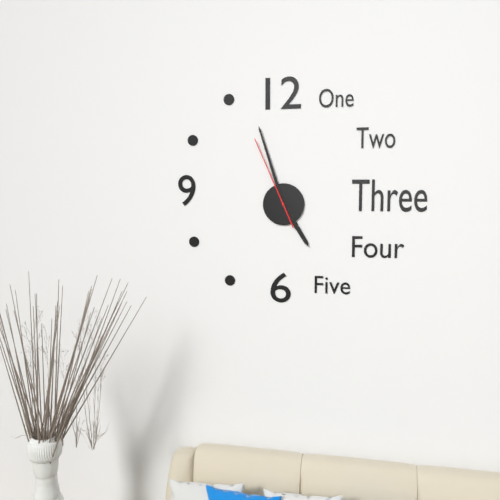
**4:57:56**
